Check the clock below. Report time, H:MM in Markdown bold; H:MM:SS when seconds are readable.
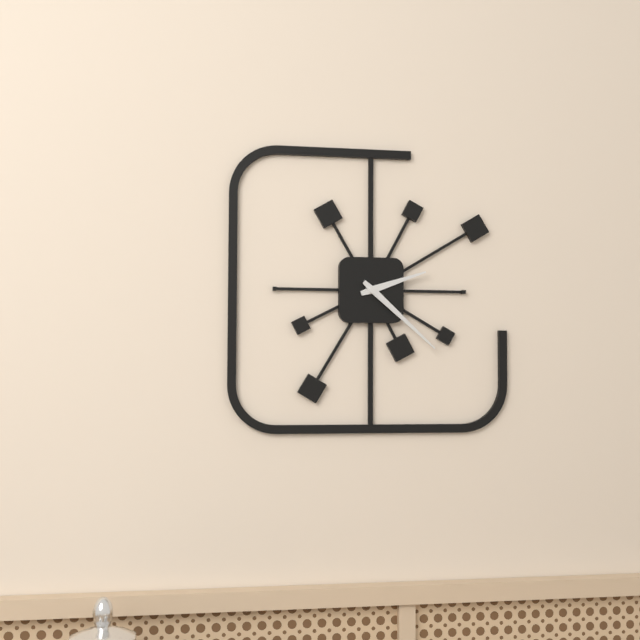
**2:22**
